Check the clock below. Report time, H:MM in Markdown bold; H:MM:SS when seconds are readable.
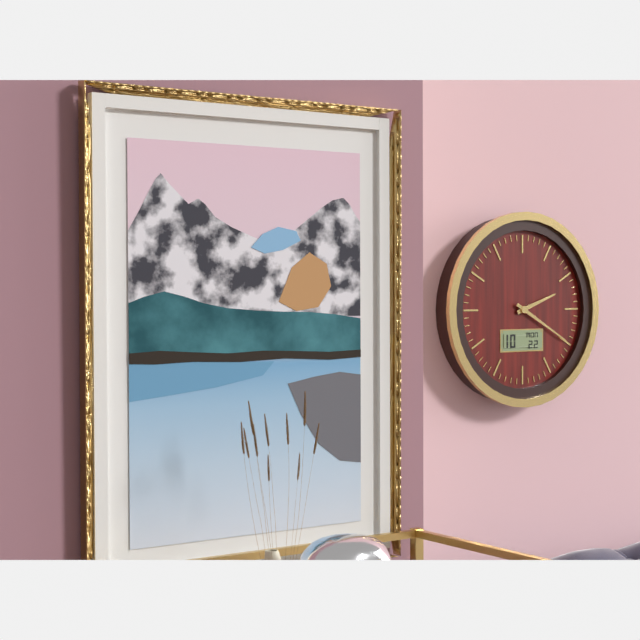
**2:20**
